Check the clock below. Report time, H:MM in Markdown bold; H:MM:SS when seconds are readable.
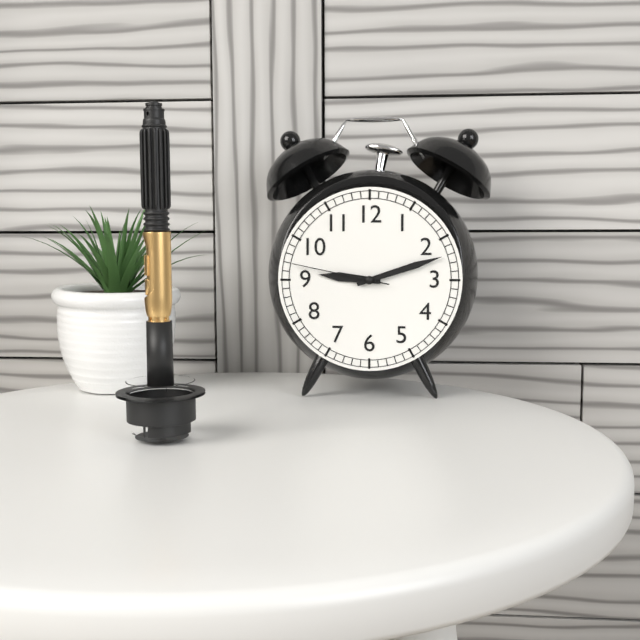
**9:12:47**
